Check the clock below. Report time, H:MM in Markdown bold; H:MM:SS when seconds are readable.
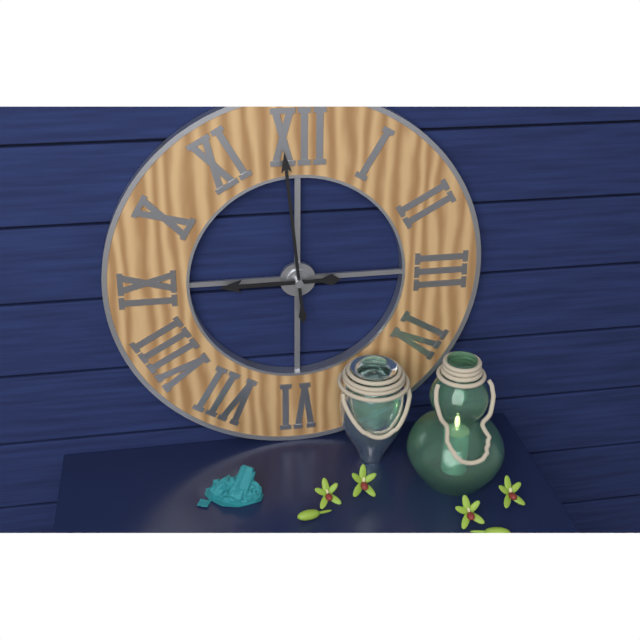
**8:59**
